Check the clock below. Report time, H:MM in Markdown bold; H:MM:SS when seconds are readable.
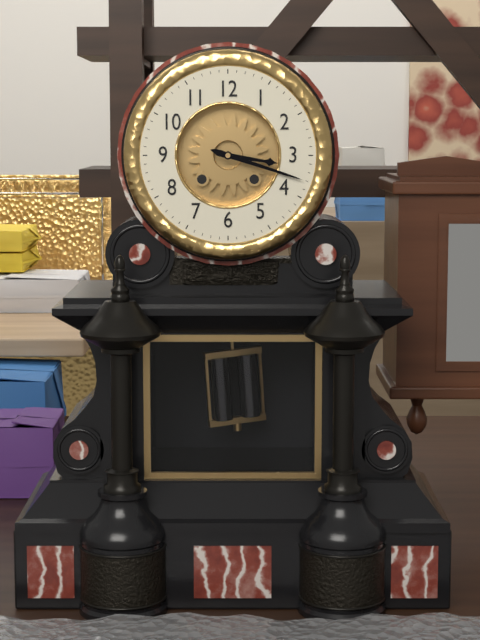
**3:18**
